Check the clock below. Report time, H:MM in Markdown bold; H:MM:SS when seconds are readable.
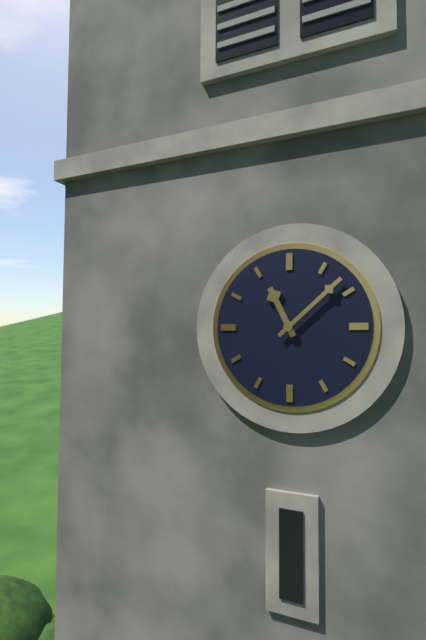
**11:08**
